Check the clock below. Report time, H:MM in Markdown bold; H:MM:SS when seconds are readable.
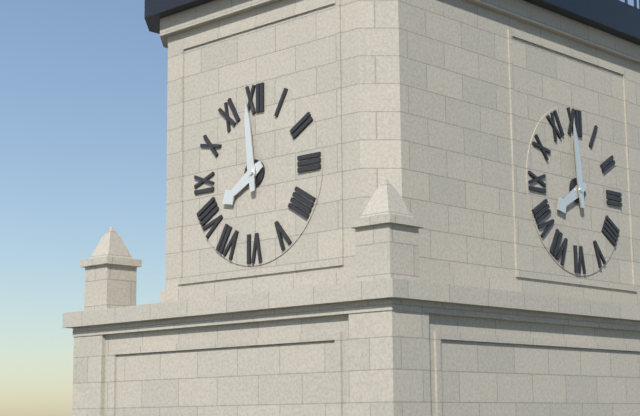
**7:59**
